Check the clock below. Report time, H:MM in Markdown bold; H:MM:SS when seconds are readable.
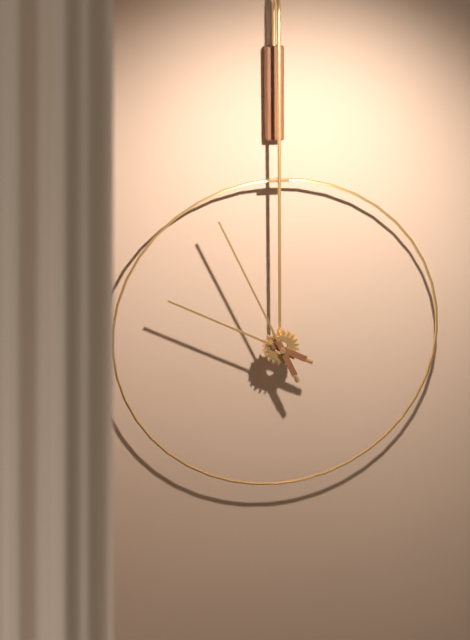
**9:56**
